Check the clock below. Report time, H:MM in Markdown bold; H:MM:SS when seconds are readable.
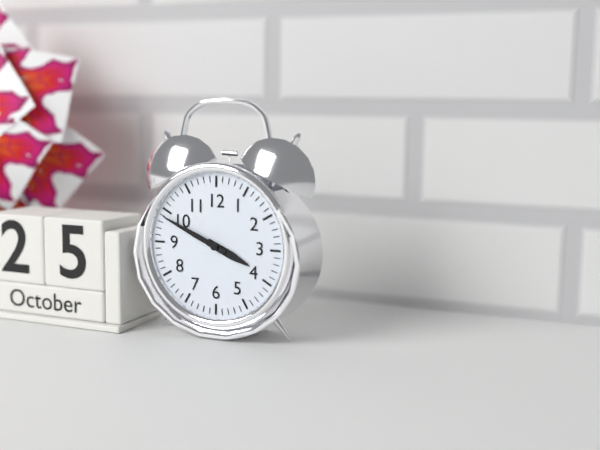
**3:49**
